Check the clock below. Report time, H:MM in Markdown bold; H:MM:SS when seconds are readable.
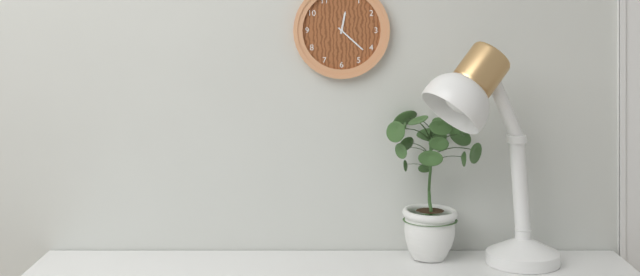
**12:22**
